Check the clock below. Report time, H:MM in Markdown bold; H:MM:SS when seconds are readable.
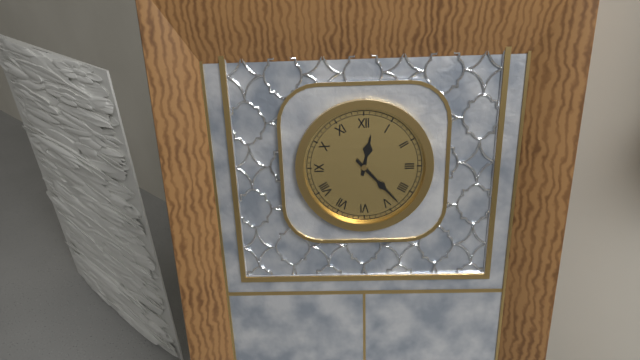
**12:23**
